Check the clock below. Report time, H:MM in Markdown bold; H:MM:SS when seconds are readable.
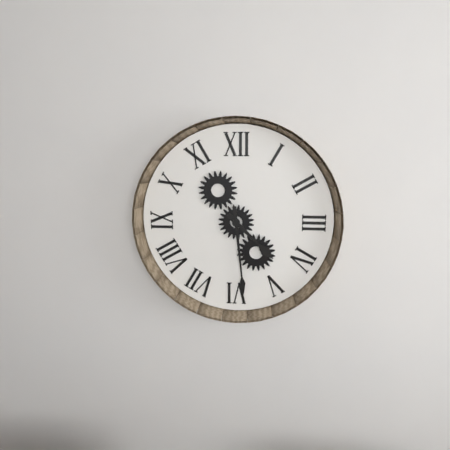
**4:29**
